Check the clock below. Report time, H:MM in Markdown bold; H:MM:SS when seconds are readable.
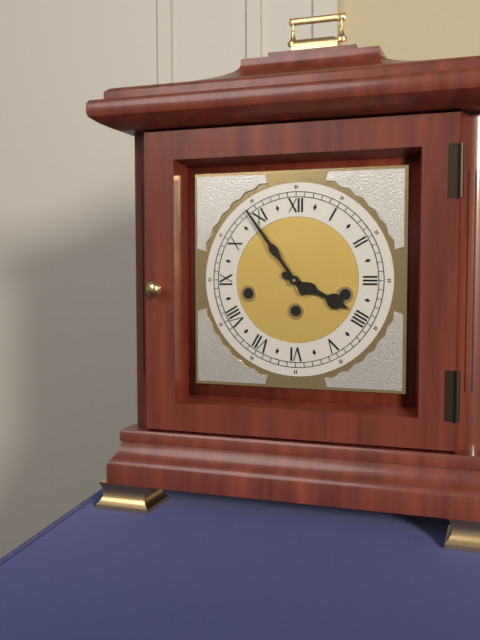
**3:54**
